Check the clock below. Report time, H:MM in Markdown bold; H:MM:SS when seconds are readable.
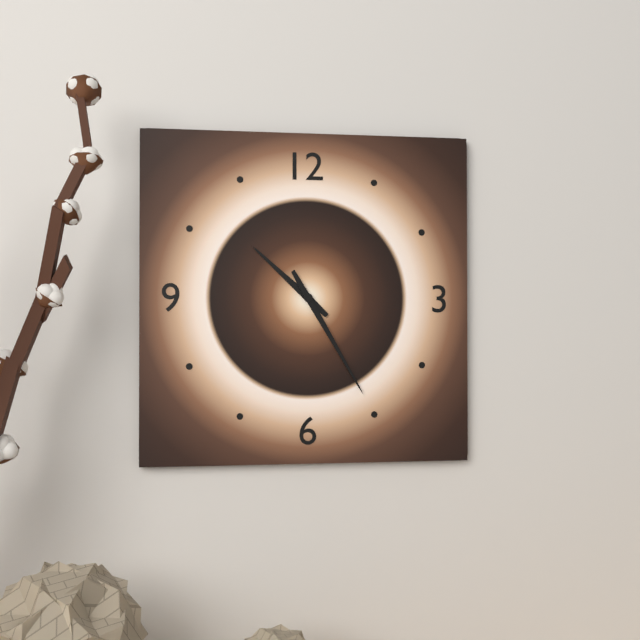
**10:25**
